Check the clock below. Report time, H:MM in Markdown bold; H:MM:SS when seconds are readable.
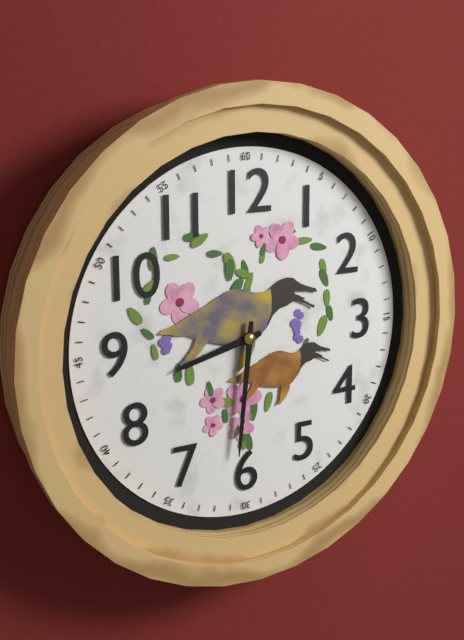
**8:31**
